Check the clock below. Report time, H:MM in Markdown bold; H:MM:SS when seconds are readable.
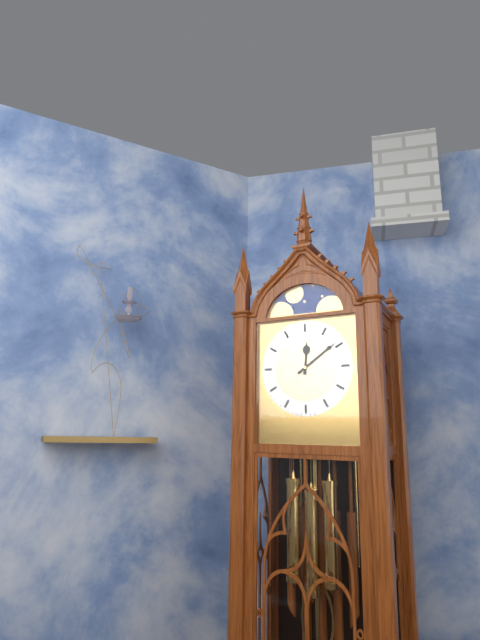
**12:09**
